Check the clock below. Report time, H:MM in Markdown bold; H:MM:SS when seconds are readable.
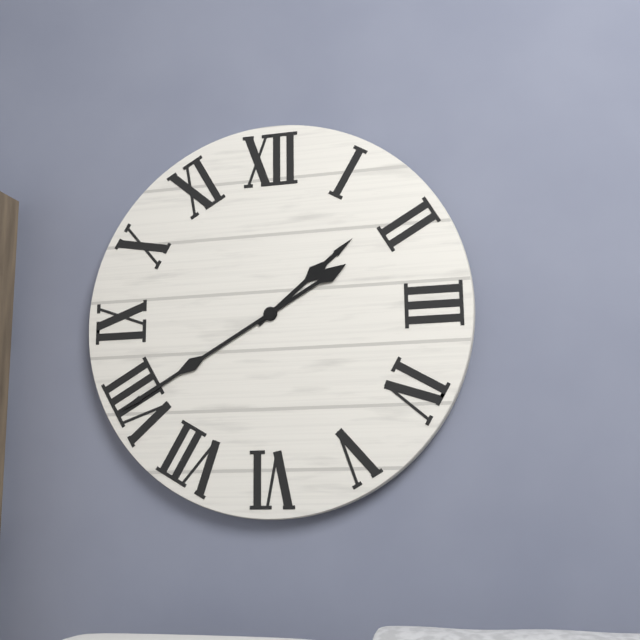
**1:40**
